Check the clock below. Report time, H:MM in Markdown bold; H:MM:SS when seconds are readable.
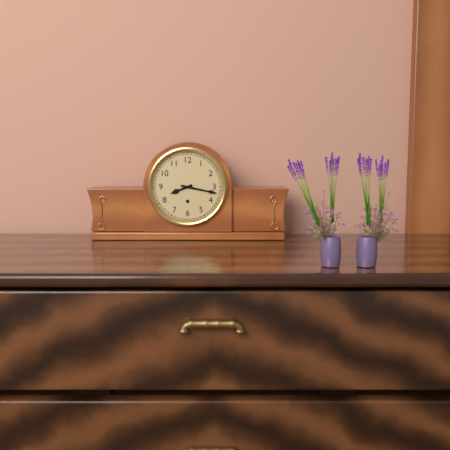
**8:17**
